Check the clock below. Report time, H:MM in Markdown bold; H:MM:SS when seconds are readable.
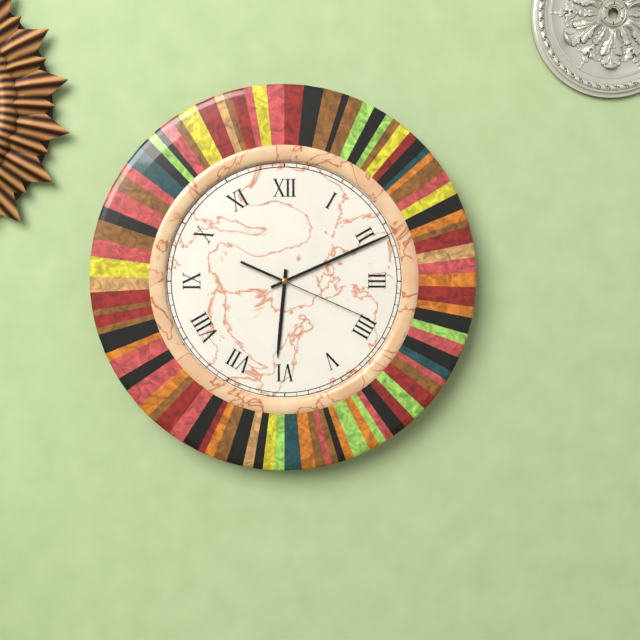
**6:11:19**
